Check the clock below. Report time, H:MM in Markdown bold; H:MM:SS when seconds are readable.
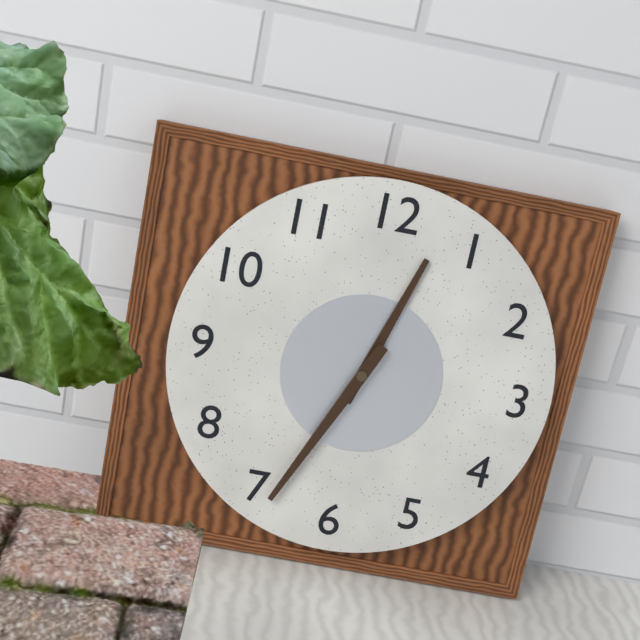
**12:34**
